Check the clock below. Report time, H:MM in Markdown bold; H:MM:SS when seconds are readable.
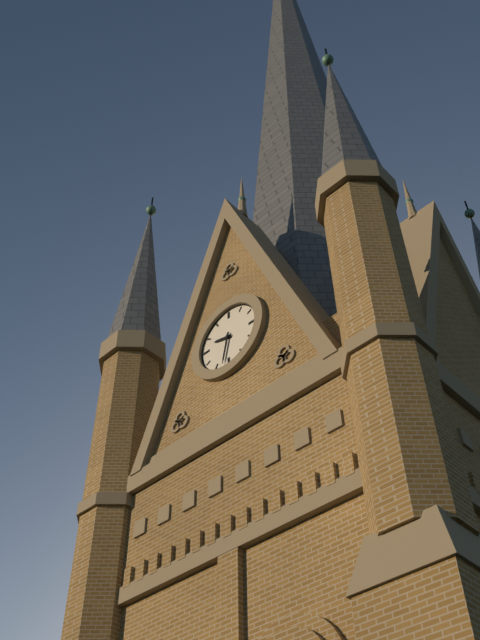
**9:32**
